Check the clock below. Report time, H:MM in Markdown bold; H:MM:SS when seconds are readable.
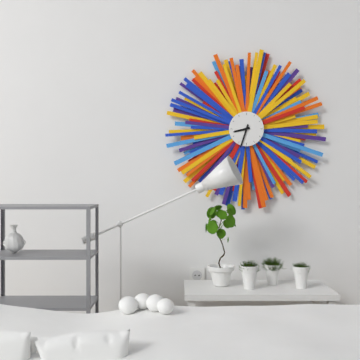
**8:33**
